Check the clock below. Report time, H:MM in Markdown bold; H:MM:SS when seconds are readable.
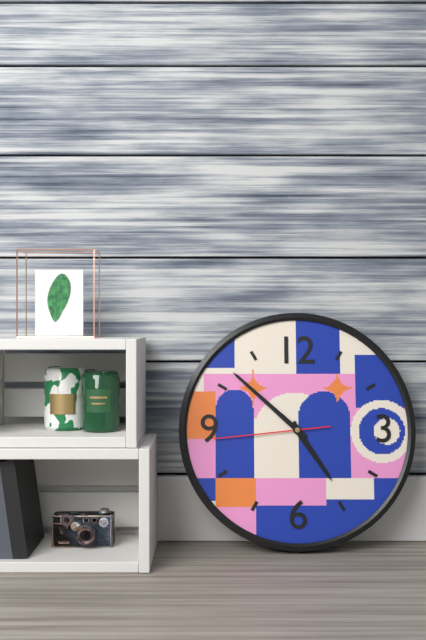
**4:52:44**
